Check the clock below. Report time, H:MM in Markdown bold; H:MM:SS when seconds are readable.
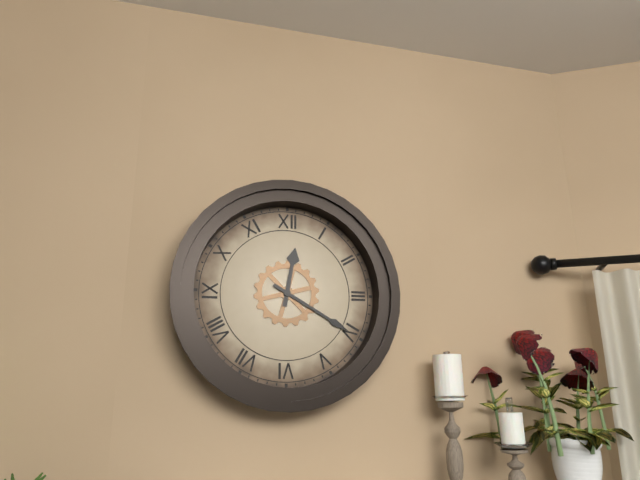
**12:20**
